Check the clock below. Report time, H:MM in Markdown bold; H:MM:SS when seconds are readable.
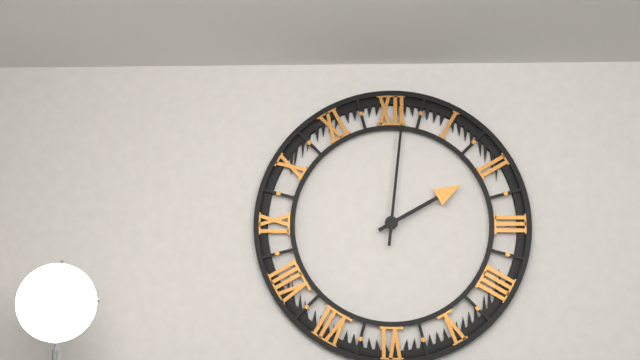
**2:01**
